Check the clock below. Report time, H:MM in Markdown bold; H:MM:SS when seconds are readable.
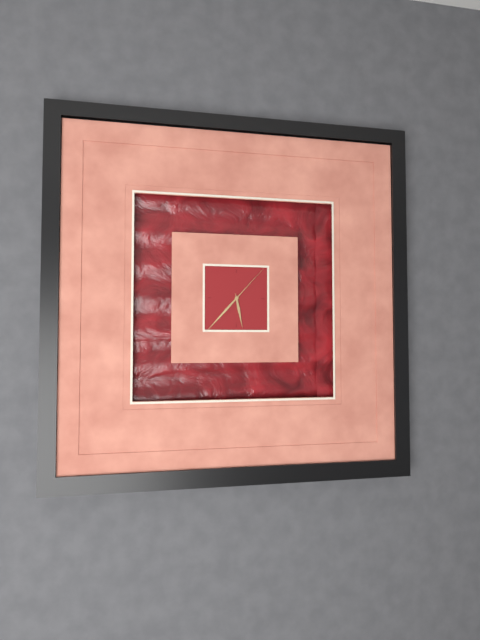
**5:37:07**
